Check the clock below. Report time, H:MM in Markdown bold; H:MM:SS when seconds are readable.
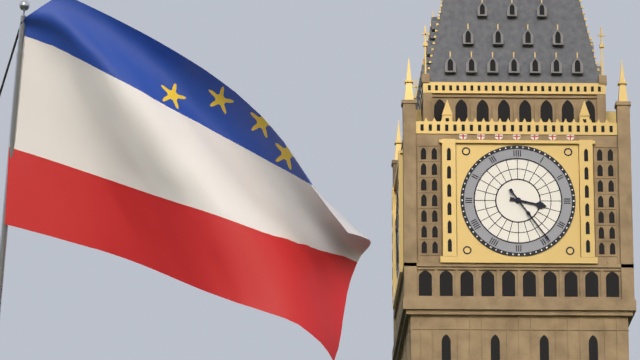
**3:24**
